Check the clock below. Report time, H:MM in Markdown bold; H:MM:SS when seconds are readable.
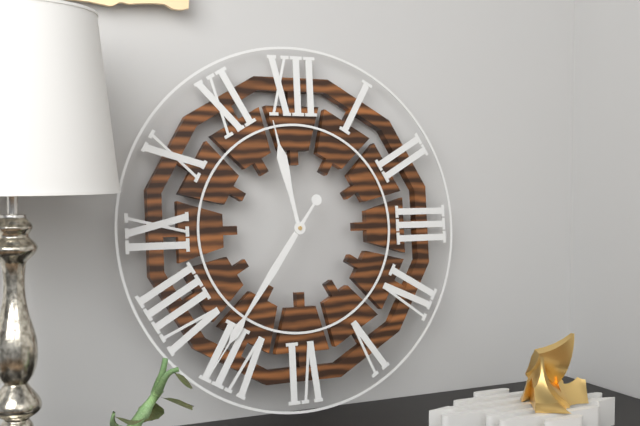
**11:36**
